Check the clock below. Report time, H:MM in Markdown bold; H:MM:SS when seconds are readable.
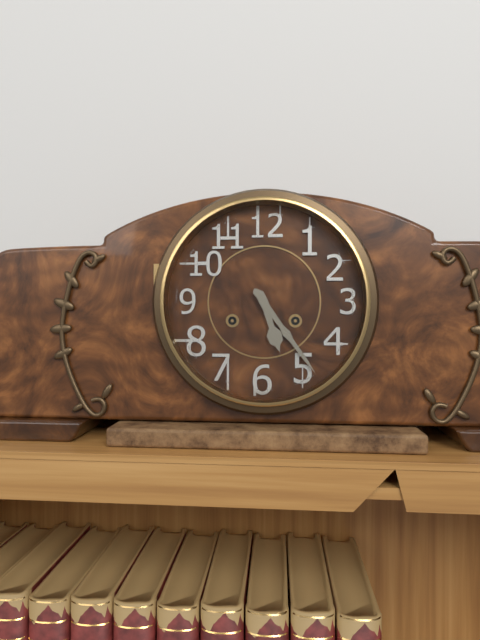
**5:24**
